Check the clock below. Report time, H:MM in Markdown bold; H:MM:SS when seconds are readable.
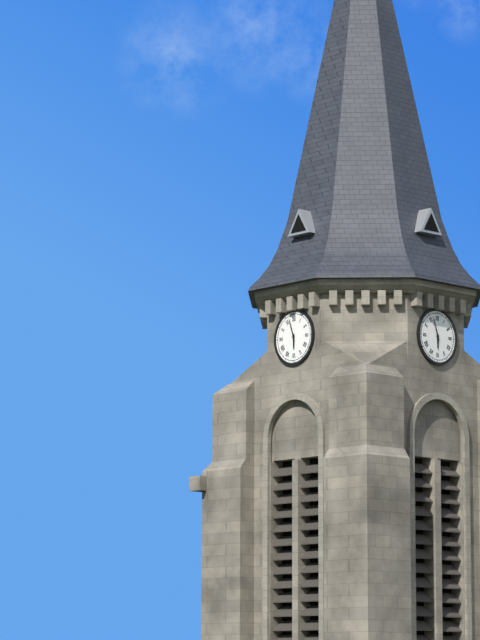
**5:57**
